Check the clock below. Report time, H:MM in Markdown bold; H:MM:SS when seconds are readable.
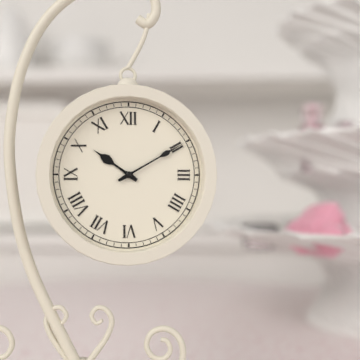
**10:10**
